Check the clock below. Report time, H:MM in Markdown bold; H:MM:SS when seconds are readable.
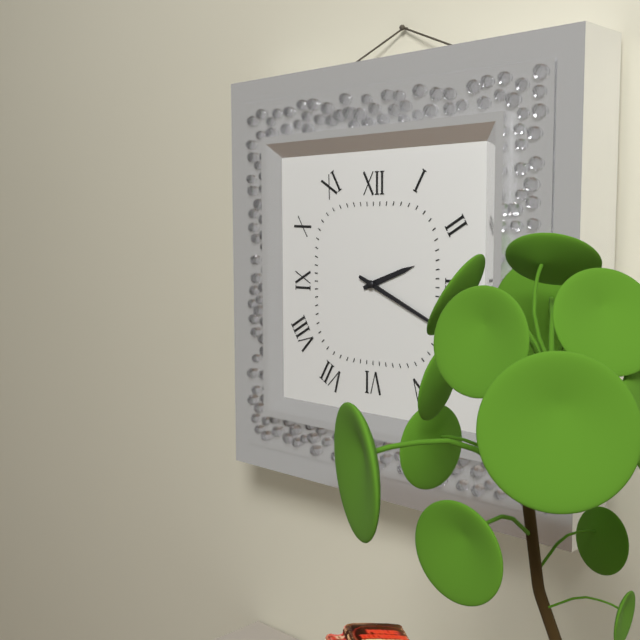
**2:19**
